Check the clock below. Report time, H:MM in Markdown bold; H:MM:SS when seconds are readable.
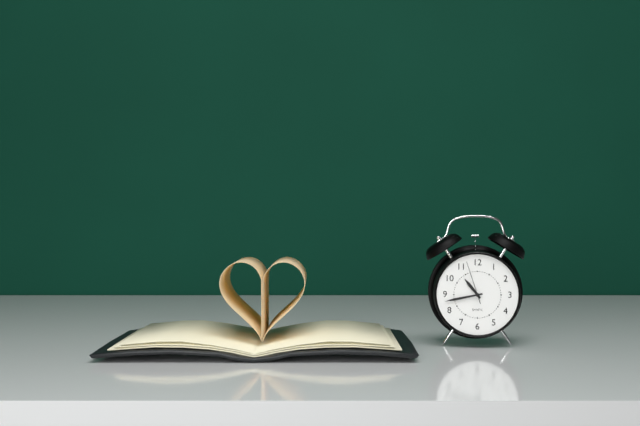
**10:43**
